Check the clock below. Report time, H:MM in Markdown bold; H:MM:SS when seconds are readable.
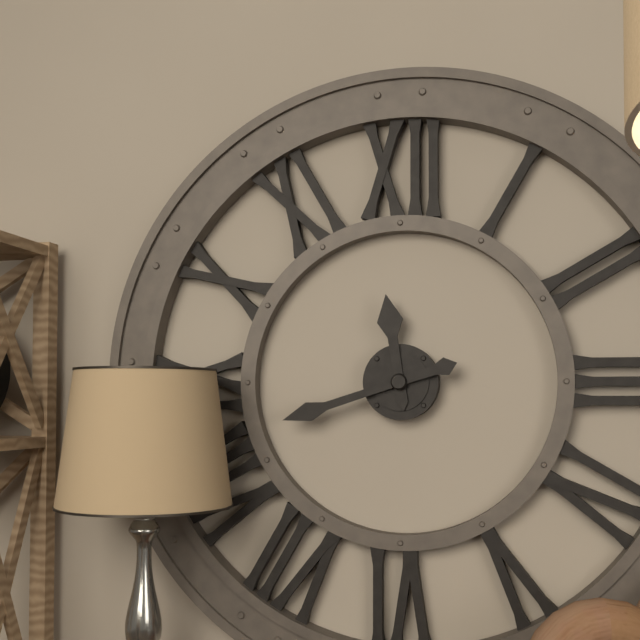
**11:42**
